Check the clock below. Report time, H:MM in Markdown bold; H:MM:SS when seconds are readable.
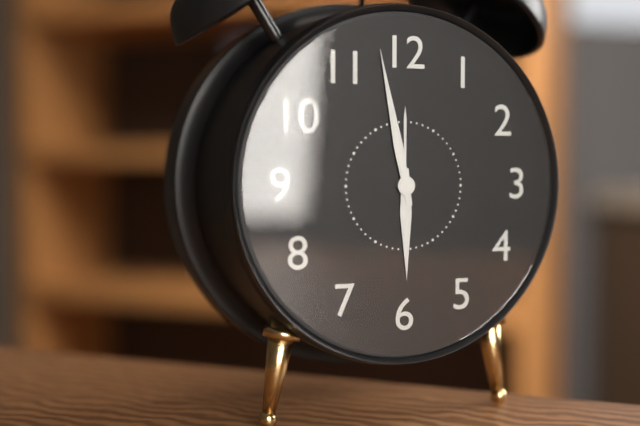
**5:58**
